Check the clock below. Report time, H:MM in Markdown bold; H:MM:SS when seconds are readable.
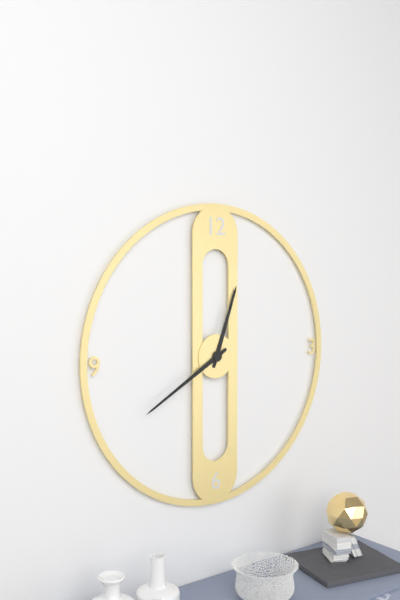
**12:40**
